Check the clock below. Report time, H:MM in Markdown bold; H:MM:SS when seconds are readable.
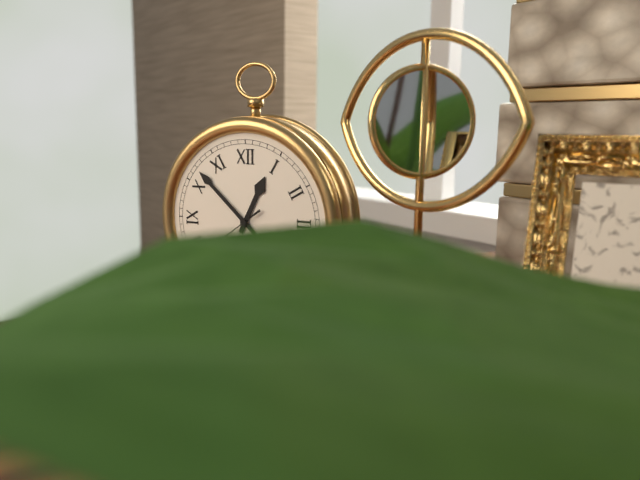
**12:52**
